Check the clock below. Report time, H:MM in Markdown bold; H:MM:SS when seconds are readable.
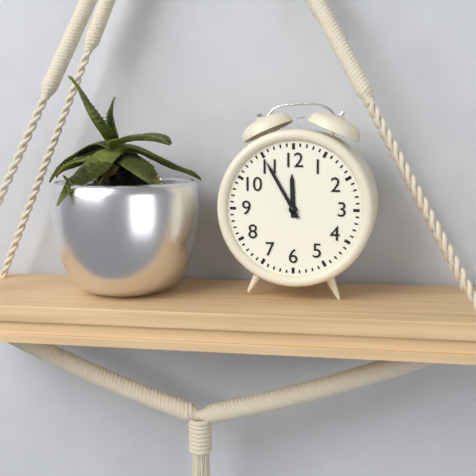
**11:55**
